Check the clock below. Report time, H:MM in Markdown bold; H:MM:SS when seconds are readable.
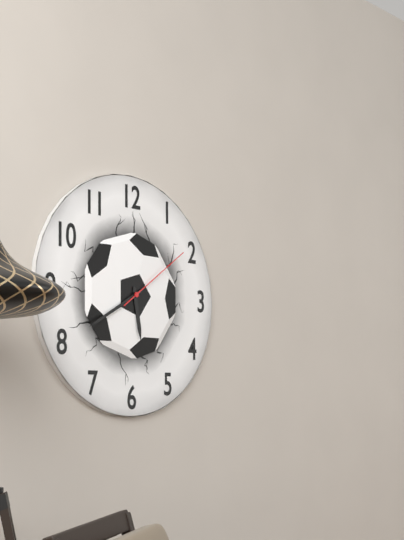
**5:40:09**
